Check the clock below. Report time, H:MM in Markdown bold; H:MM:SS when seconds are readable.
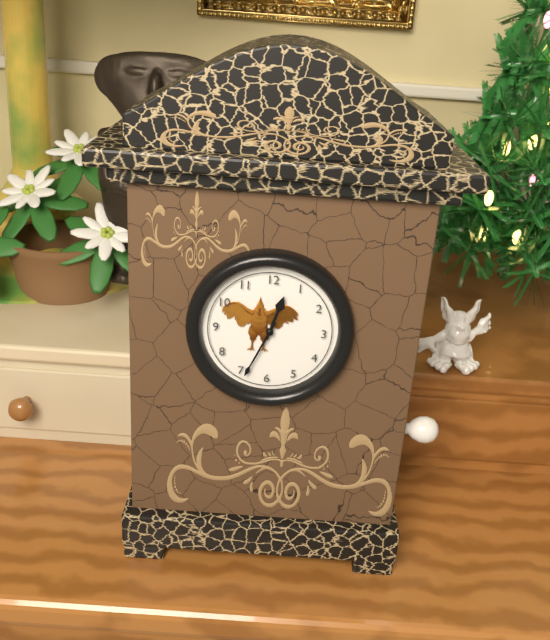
**12:34**
